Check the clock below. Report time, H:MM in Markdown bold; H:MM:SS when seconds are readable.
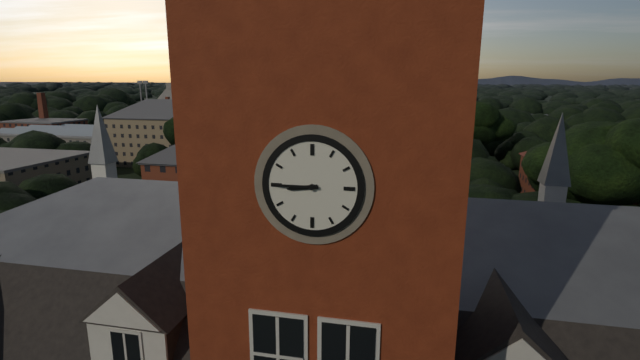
**8:45**
